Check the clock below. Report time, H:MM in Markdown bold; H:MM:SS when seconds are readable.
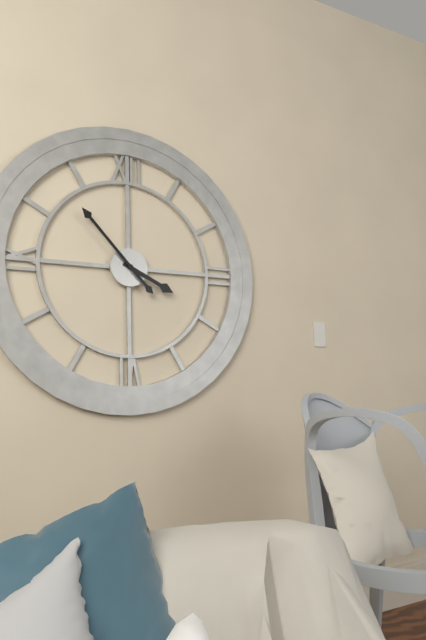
**3:53**
